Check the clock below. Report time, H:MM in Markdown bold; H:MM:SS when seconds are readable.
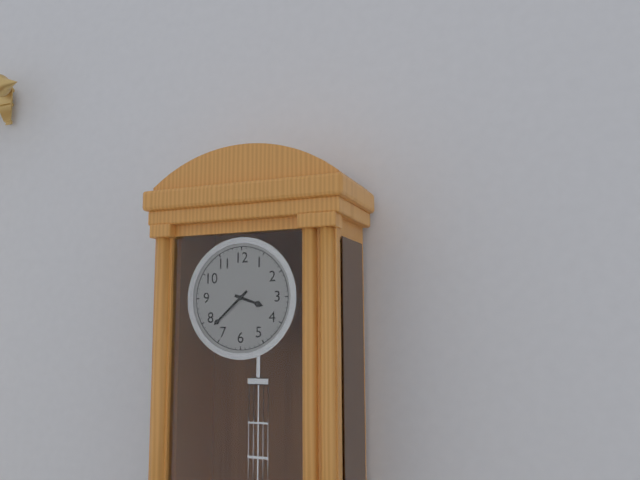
**3:38**
